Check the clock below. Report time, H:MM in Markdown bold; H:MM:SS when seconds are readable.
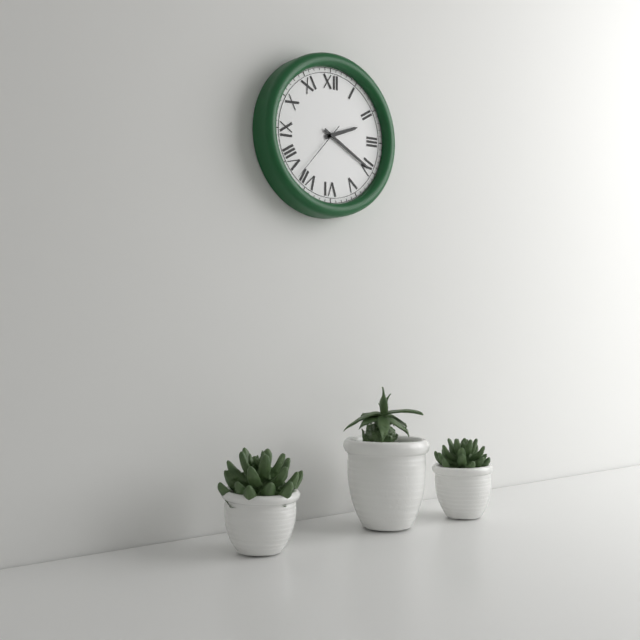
**2:20:37**
